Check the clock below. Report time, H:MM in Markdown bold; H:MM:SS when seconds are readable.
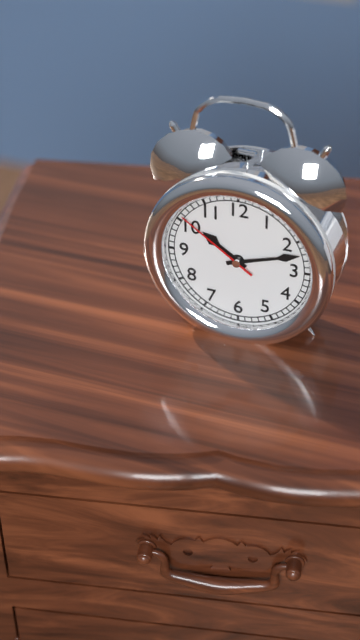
**10:12:51**
